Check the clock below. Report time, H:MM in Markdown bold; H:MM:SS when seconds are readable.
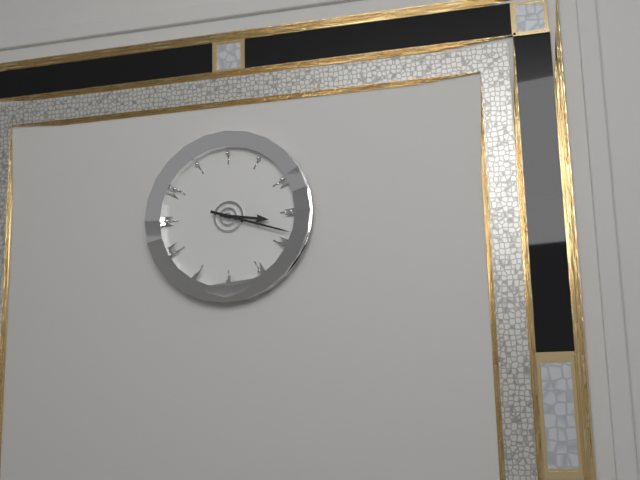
**3:18**
